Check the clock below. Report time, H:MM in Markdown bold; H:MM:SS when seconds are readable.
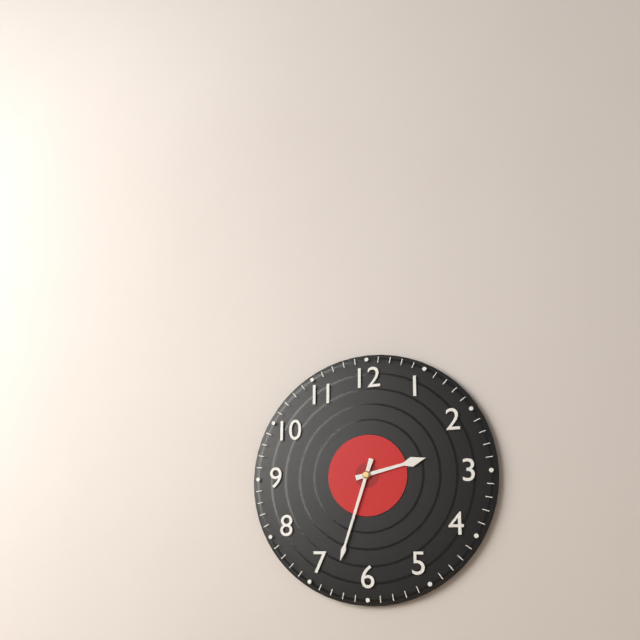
**2:33**
